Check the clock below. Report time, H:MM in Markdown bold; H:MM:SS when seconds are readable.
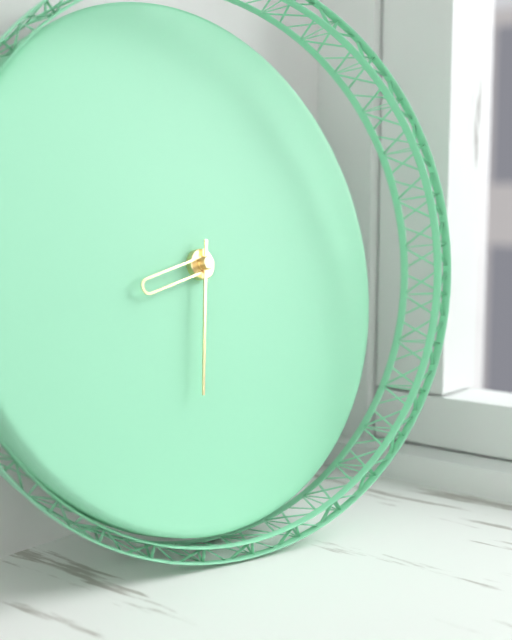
**8:32**
